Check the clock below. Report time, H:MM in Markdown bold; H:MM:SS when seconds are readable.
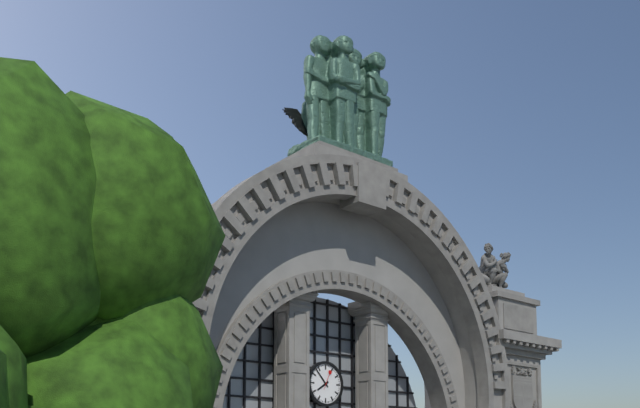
**7:53**
